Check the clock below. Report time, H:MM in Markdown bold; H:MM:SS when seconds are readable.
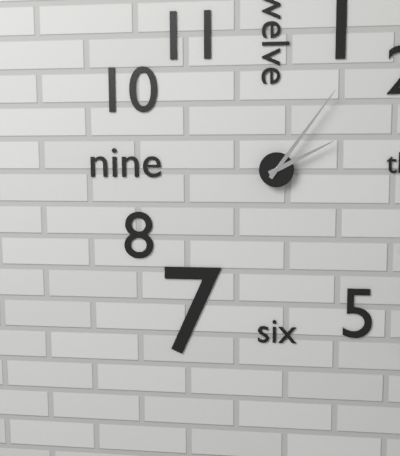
**2:06**
